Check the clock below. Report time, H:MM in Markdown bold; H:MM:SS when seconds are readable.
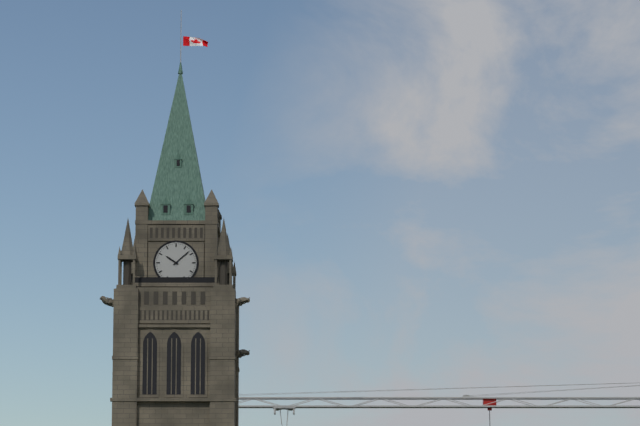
**10:08**
